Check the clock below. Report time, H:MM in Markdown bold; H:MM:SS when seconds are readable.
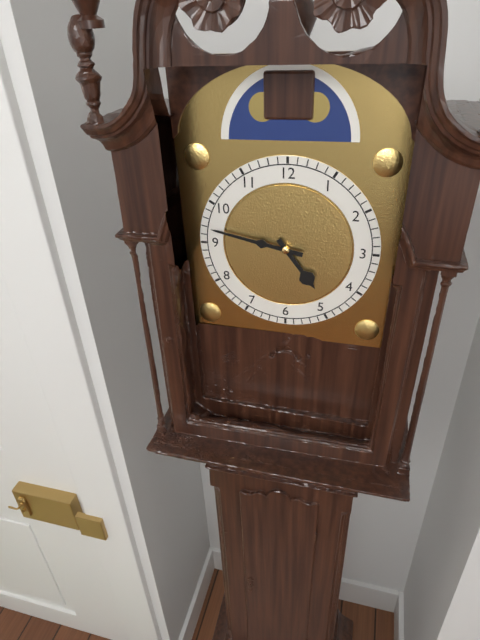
**4:47**
